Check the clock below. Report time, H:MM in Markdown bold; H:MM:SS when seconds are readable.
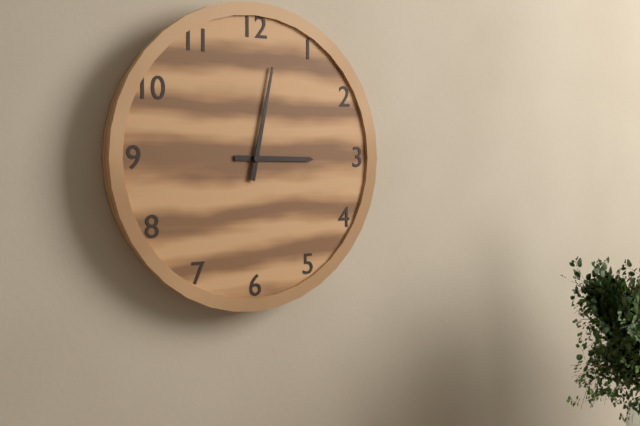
**3:02**
